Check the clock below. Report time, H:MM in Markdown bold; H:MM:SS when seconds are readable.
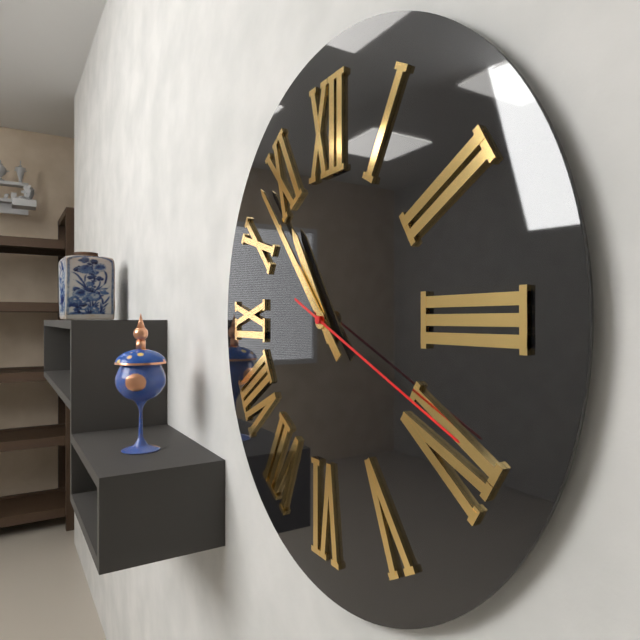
**10:53:19**
